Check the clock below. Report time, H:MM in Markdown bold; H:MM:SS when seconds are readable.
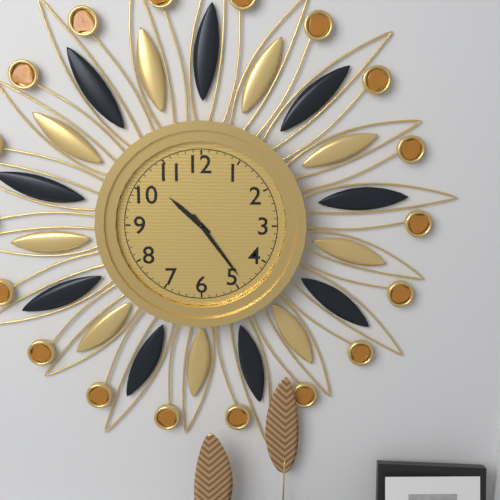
**10:24**
